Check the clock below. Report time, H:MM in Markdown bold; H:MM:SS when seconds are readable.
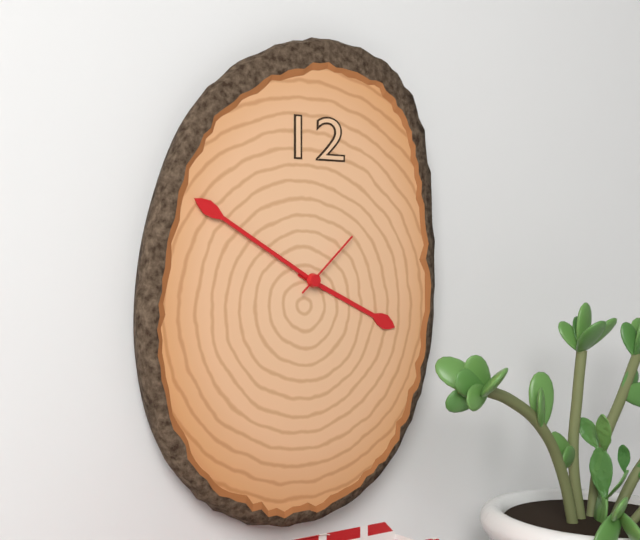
**3:50:08**
